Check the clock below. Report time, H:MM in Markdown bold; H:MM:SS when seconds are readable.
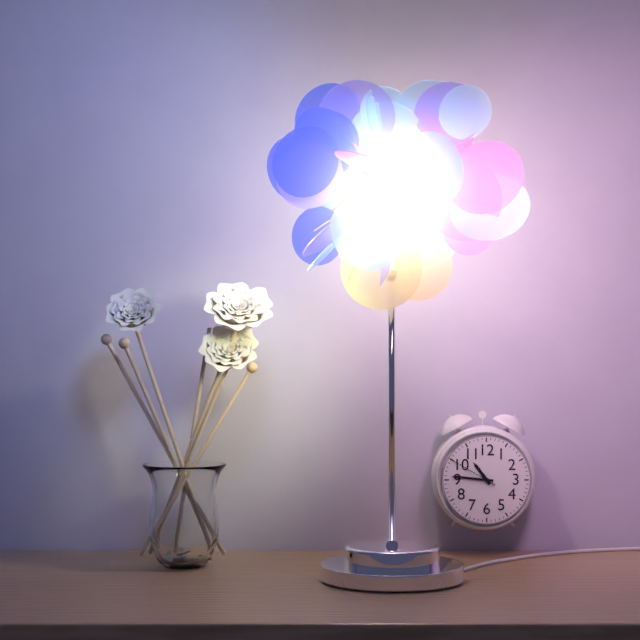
**10:46**
